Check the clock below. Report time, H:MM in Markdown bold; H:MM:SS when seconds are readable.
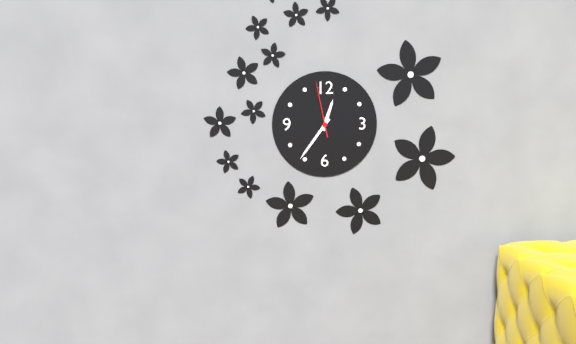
**12:36:58**
